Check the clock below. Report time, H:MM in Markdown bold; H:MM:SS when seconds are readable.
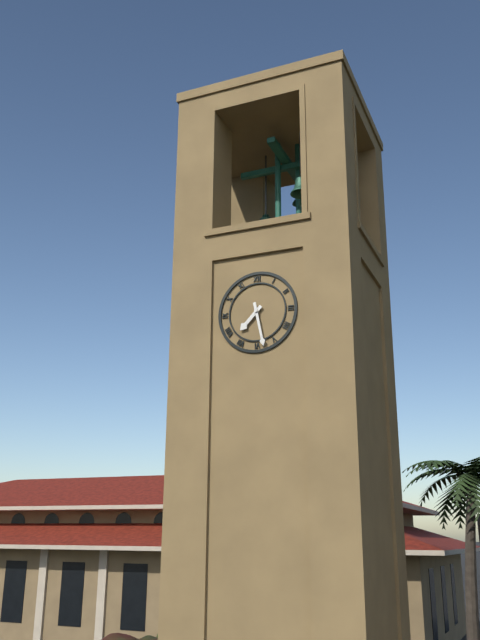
**7:28**
